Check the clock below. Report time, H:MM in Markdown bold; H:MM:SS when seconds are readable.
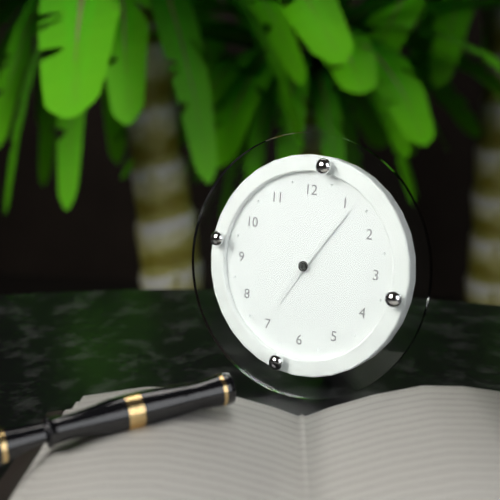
**7:06**
